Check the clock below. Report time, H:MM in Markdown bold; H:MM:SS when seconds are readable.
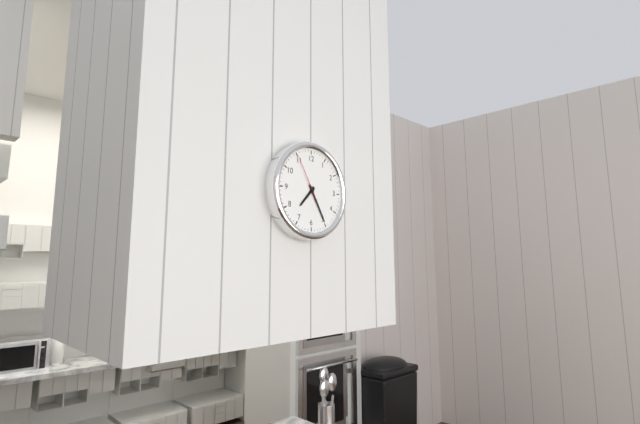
**7:25**
